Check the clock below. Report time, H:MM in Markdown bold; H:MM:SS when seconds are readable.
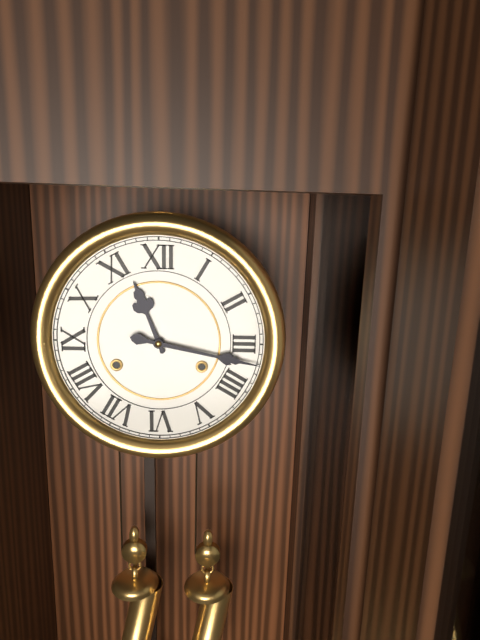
**11:17**
